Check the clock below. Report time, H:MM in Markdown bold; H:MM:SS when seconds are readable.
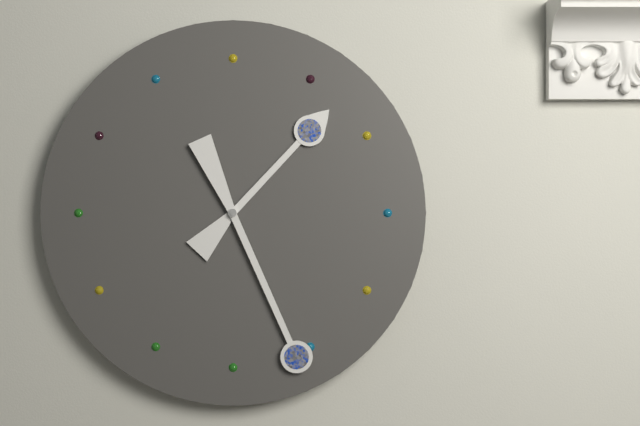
**1:26**
